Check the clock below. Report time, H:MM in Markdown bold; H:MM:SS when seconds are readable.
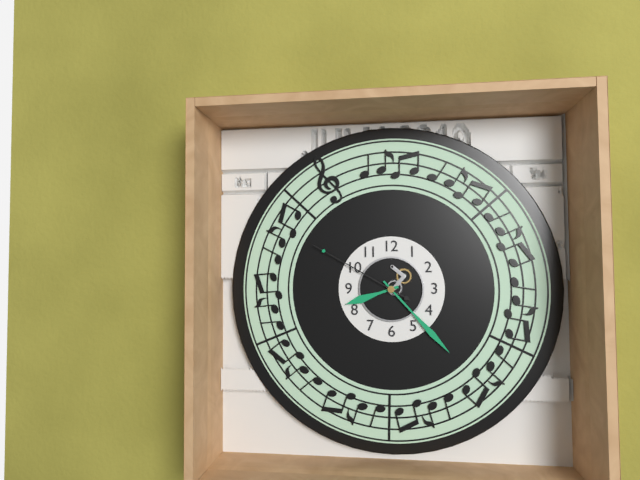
**8:23:50**
